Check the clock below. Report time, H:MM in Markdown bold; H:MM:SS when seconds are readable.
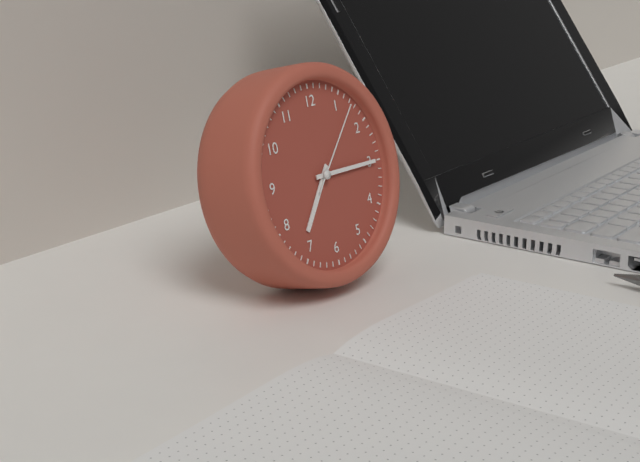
**7:15:07**
